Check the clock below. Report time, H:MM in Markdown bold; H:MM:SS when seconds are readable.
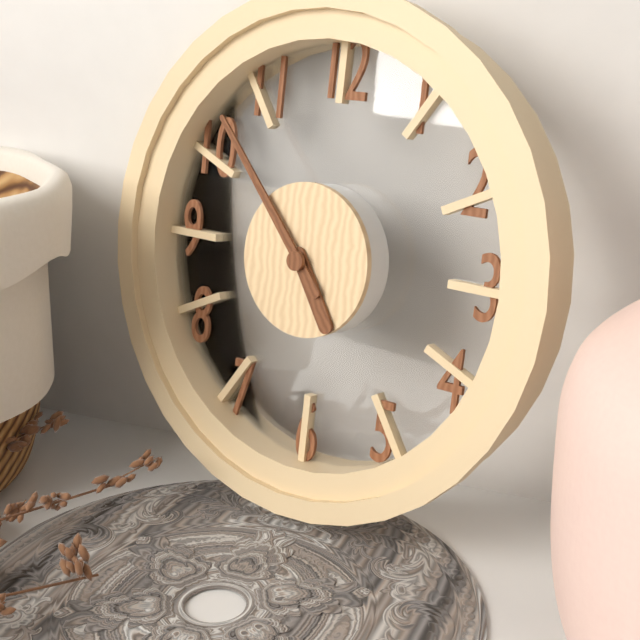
**4:53**
